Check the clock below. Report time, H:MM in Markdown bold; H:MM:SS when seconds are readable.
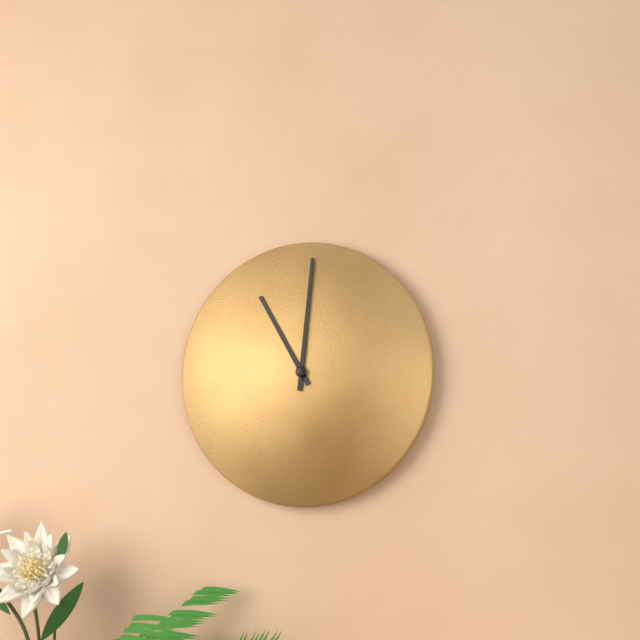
**11:01**
